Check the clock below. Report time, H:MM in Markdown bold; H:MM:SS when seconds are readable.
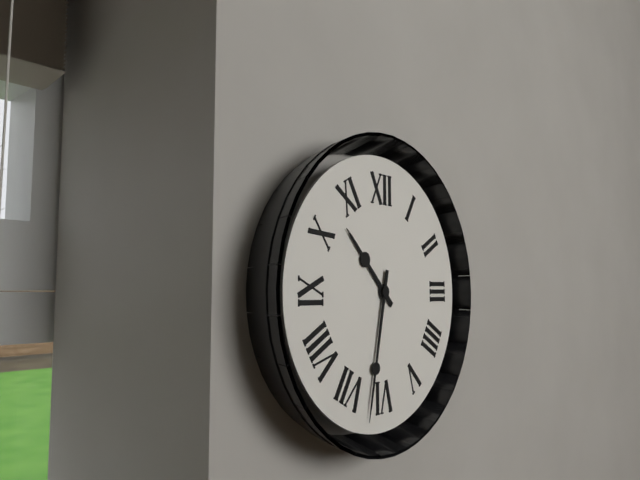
**10:32**
